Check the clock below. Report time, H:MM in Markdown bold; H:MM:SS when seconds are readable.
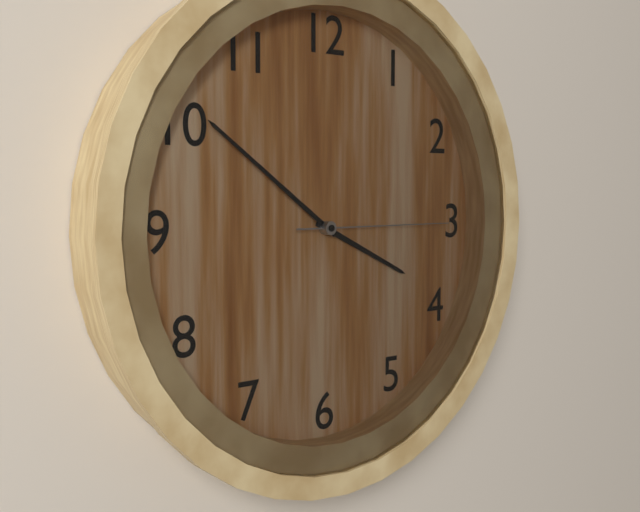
**3:51:15**
